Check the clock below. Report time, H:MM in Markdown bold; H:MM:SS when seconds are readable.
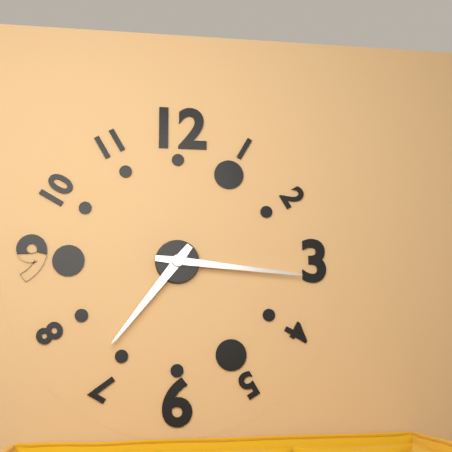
**7:16**
